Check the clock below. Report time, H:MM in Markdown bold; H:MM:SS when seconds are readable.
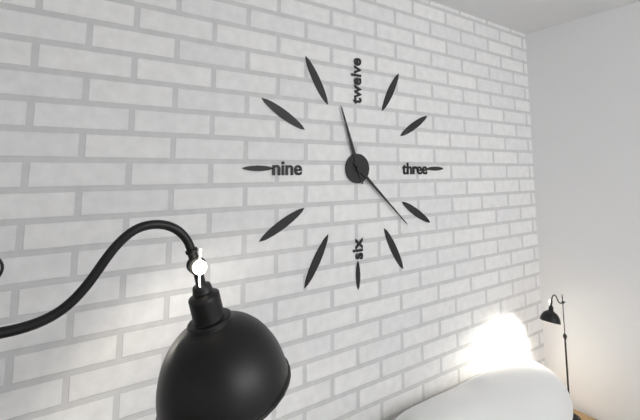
**11:22**
